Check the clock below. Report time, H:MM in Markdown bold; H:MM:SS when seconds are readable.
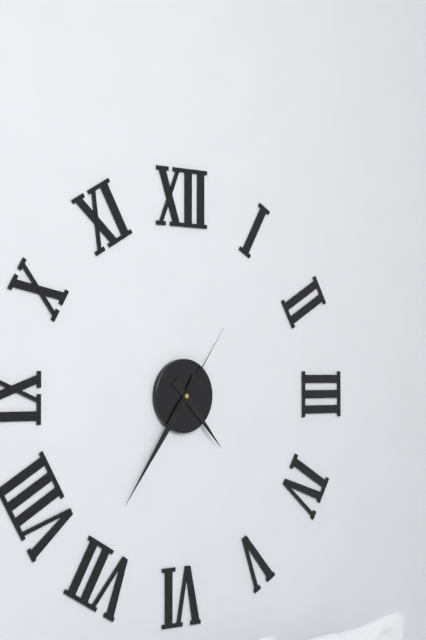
**4:36:06**
